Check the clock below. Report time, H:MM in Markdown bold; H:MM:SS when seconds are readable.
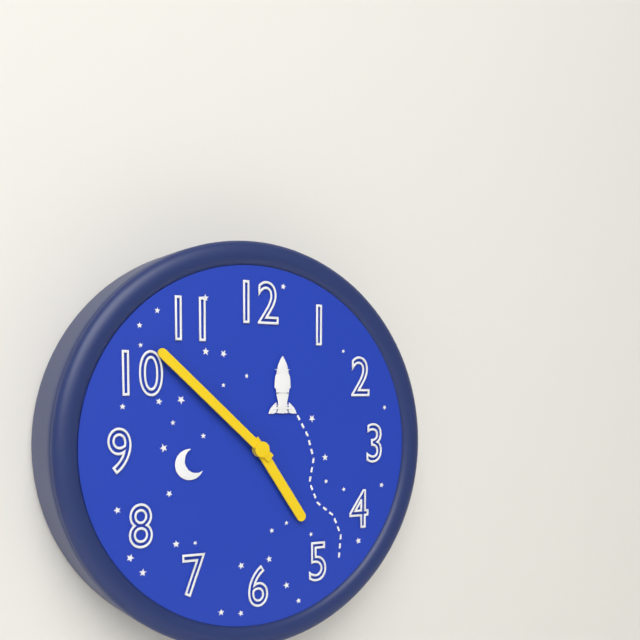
**4:52**
